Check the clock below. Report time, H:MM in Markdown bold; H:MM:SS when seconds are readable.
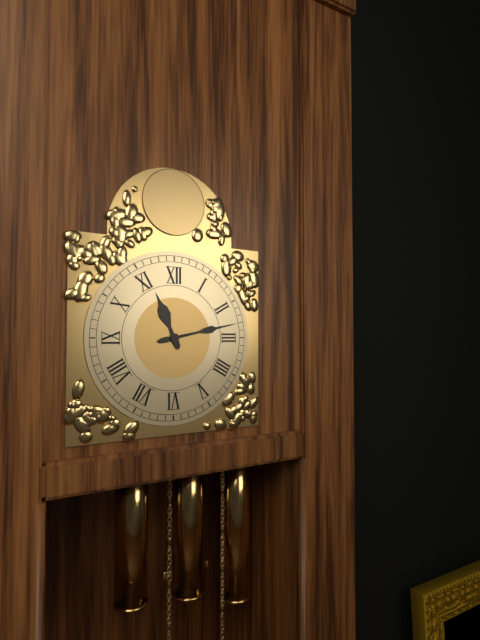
**11:13**
